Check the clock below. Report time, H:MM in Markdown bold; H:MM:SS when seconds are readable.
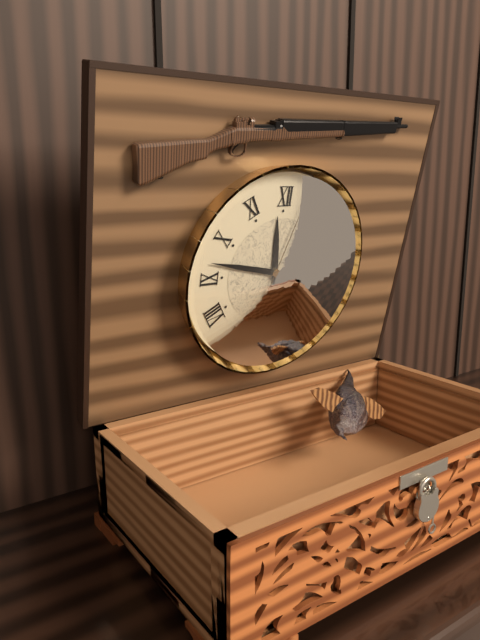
**11:47:03**
